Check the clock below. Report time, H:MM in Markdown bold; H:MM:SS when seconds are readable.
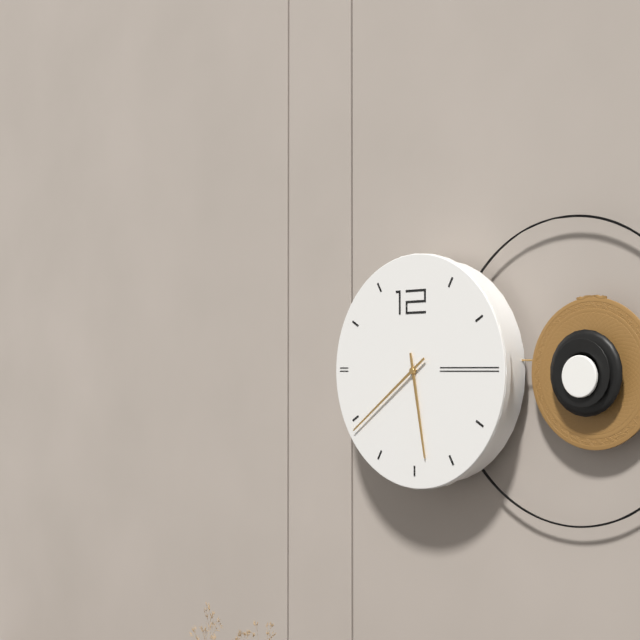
**5:39**
